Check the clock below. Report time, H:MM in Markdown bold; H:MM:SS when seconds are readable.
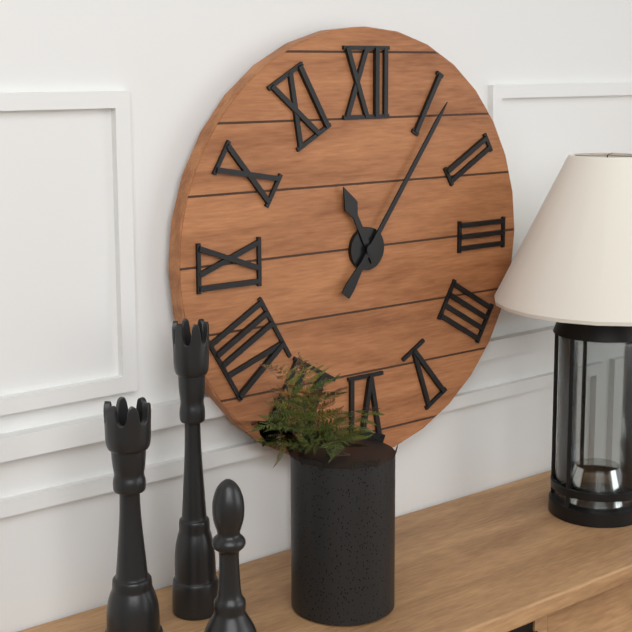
**11:06**
